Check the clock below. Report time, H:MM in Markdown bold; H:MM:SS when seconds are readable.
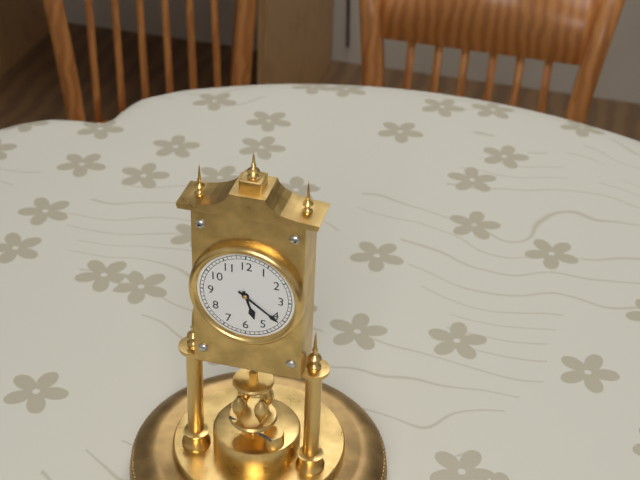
**5:21**
